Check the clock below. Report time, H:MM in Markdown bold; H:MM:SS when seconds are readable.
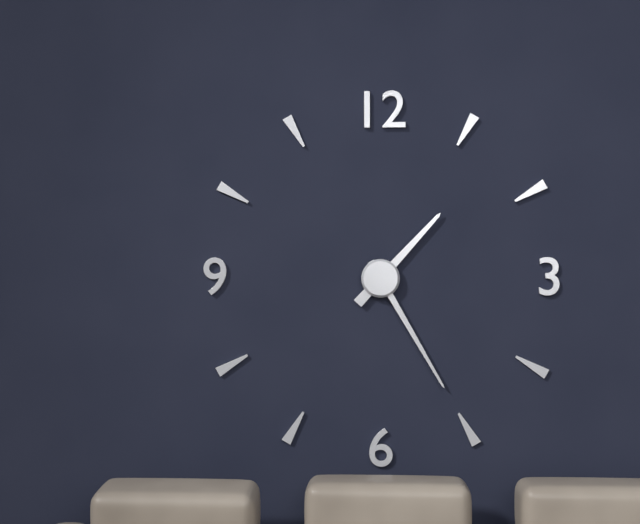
**1:25**
